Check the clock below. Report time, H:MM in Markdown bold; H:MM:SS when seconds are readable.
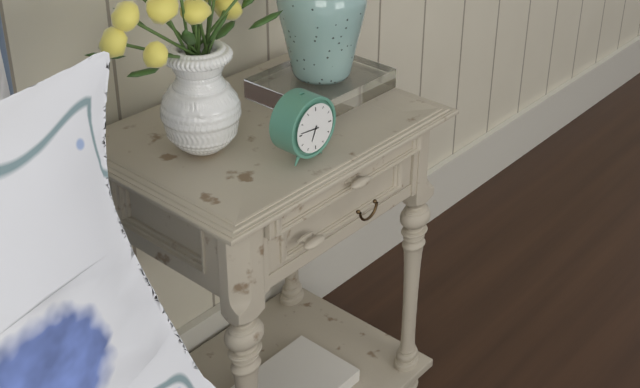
**6:46**
